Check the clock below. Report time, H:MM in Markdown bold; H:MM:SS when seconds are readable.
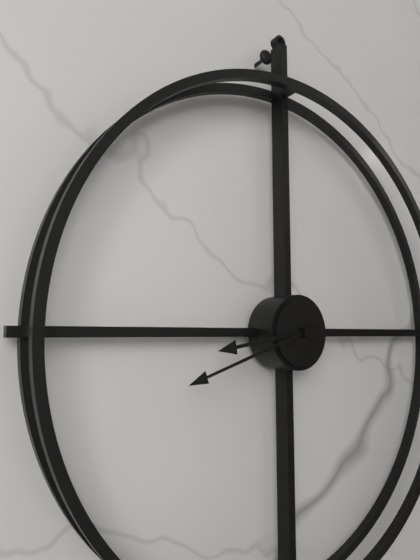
**8:42**
